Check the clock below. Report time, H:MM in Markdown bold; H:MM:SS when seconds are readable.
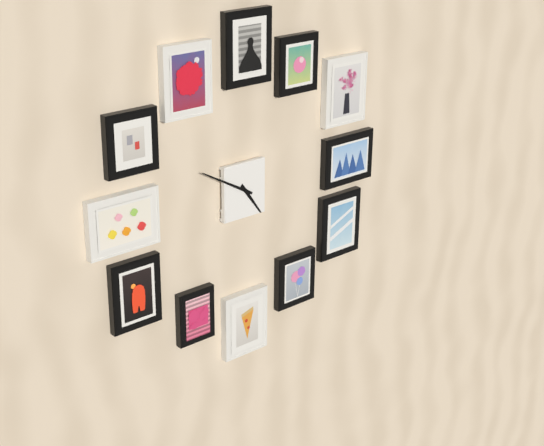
**4:50**
